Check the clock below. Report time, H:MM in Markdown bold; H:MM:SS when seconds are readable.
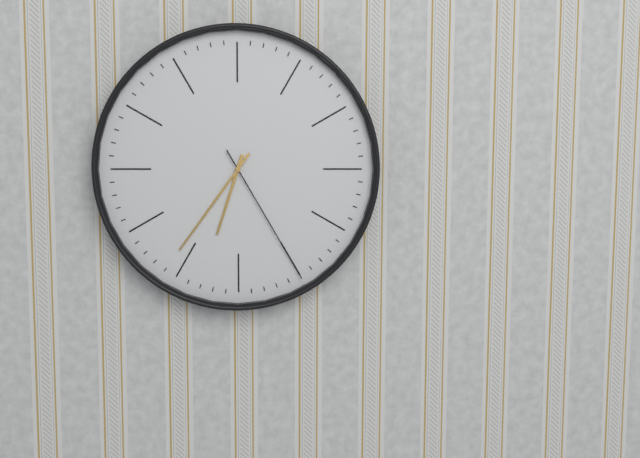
**6:36:25**
